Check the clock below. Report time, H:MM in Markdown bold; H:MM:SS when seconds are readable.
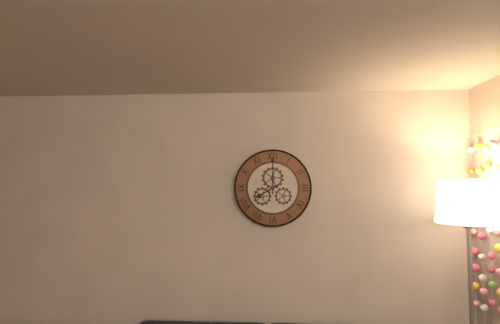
**8:00**
